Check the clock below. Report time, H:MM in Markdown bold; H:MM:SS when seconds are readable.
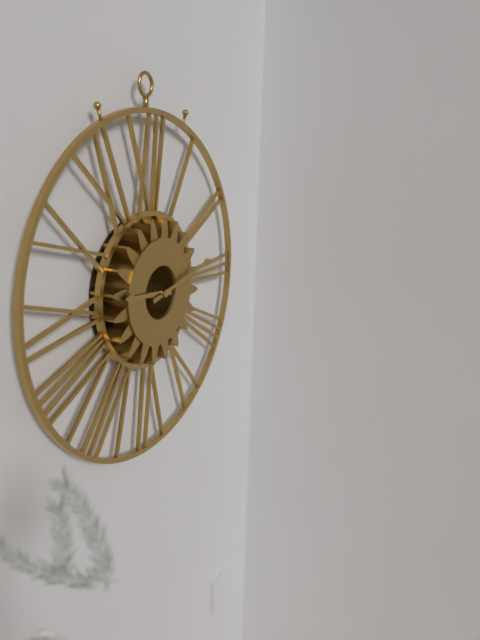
**9:13**
